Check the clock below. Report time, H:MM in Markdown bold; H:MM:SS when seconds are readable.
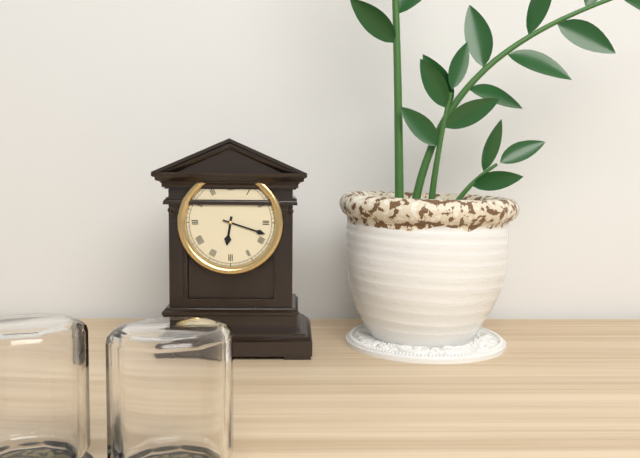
**6:18**
